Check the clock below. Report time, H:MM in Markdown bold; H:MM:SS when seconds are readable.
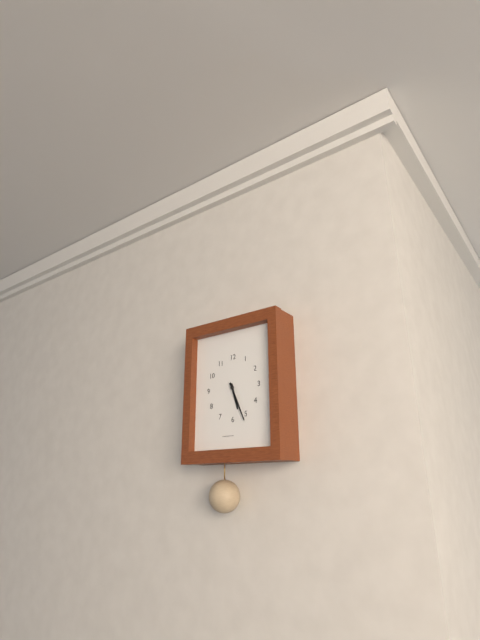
**5:26**
